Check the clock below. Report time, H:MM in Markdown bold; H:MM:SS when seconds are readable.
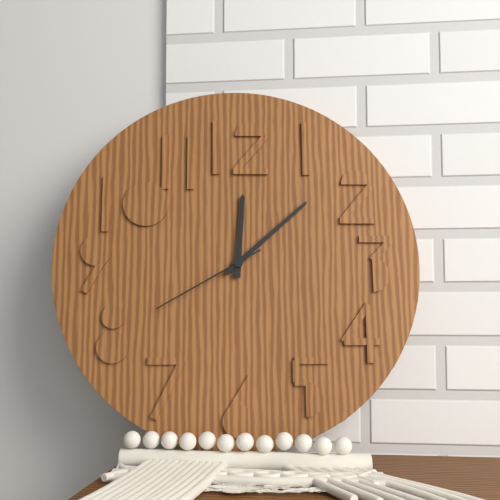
**12:08:40**
